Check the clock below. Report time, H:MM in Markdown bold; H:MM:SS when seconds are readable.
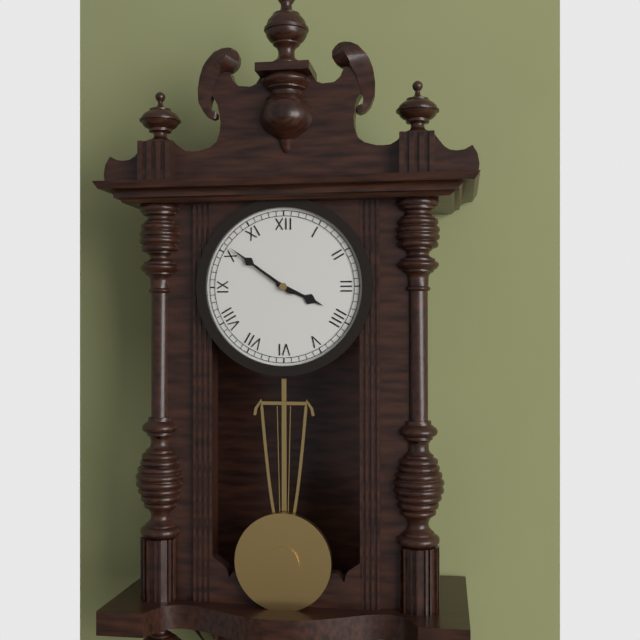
**3:51**
